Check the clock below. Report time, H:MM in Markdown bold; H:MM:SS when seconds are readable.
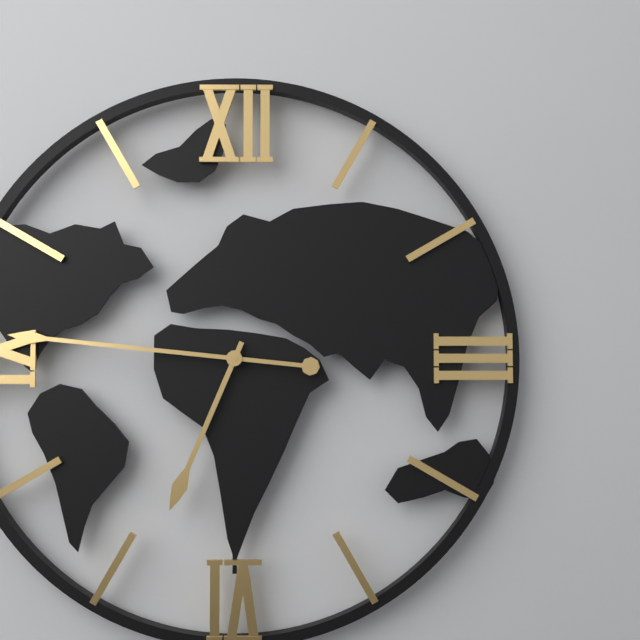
**6:46**
